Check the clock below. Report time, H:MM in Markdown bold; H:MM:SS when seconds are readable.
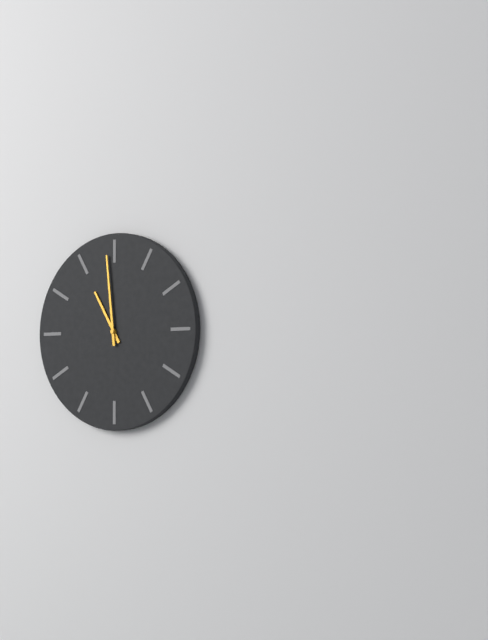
**10:59**
